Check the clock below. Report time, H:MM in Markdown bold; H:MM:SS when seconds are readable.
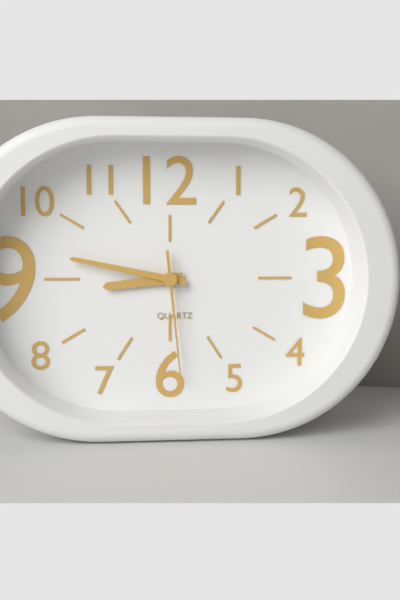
**8:47:29**
